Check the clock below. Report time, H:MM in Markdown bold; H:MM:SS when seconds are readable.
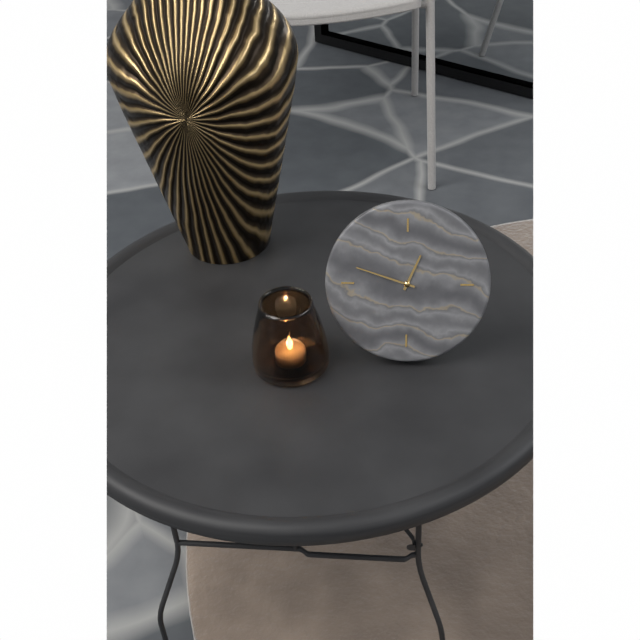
**12:48**
